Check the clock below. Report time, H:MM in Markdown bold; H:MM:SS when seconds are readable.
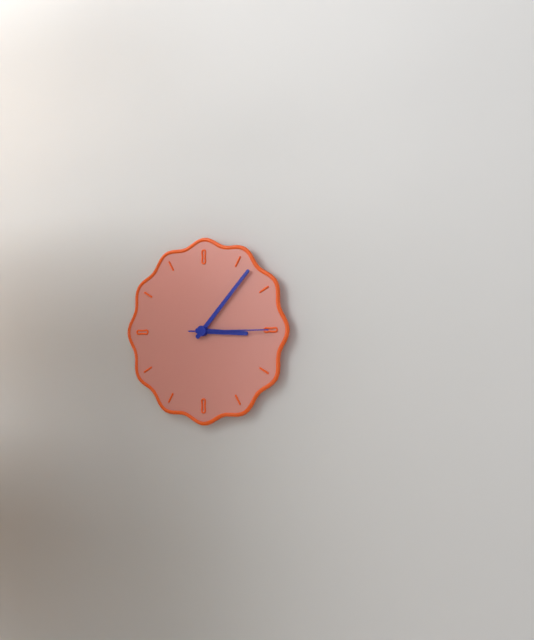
**3:07:15**
